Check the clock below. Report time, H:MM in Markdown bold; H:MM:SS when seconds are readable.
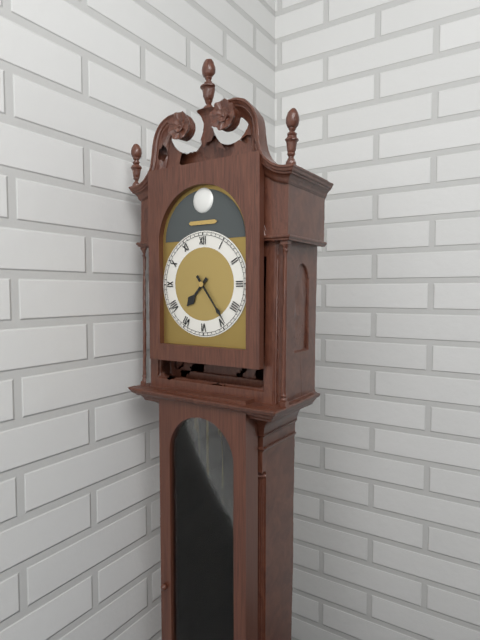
**7:24**
